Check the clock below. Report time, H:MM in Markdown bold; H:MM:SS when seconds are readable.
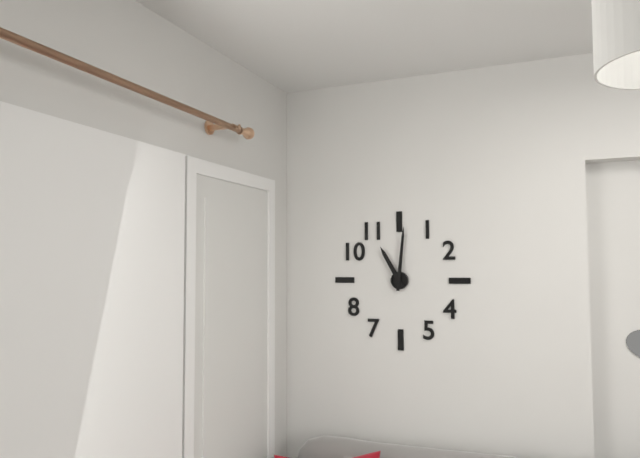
**11:01**
